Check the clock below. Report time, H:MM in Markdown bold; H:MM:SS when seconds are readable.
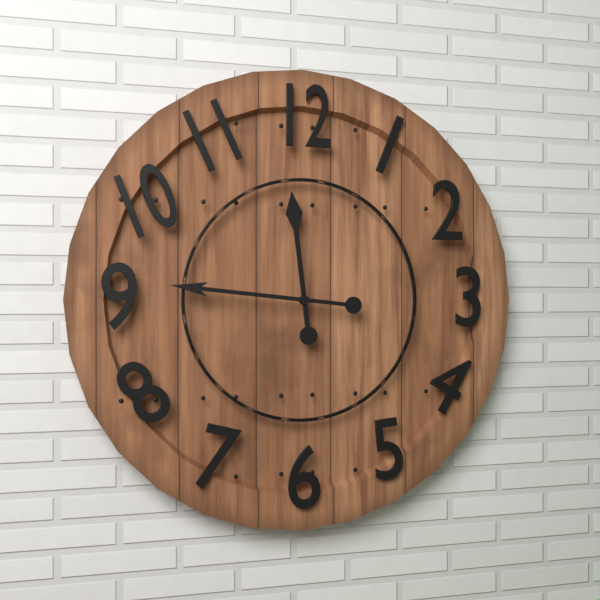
**11:46**
